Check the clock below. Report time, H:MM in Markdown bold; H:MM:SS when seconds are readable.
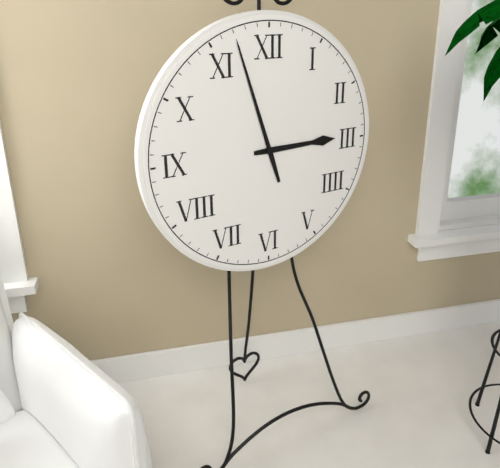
**2:57**
